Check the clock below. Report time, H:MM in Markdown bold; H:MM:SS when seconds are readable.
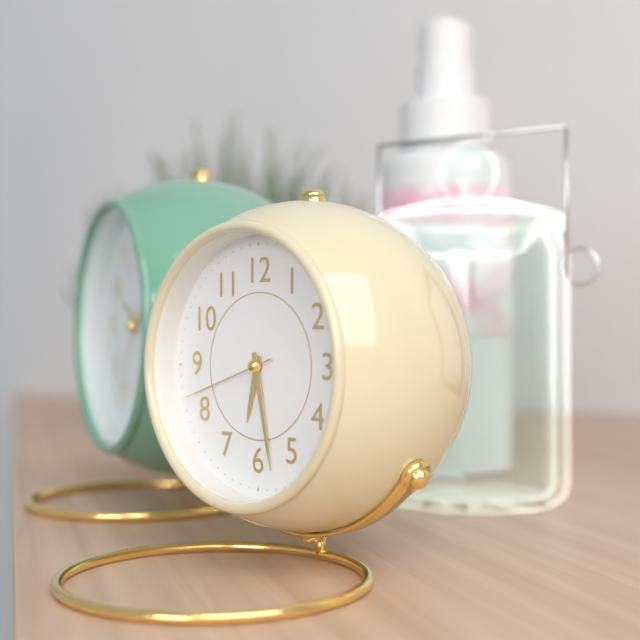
**6:28:42**
